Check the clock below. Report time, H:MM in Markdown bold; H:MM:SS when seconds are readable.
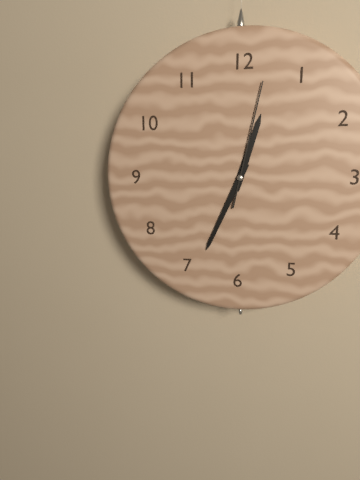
**12:34:02**
